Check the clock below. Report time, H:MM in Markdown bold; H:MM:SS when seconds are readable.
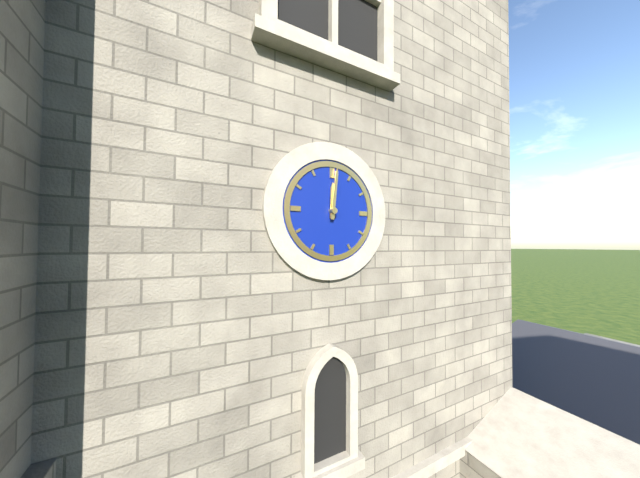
**12:01**
